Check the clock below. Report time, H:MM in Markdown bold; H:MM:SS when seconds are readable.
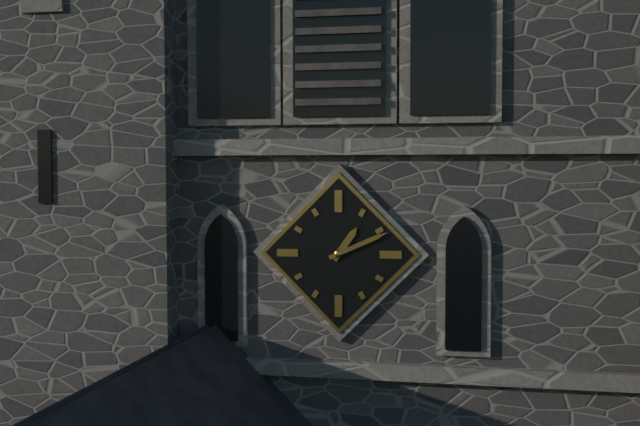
**1:11**
